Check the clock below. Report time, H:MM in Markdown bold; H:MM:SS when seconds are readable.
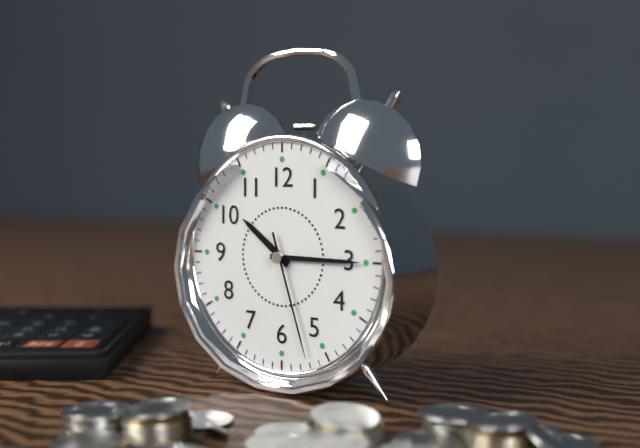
**10:15:27**
